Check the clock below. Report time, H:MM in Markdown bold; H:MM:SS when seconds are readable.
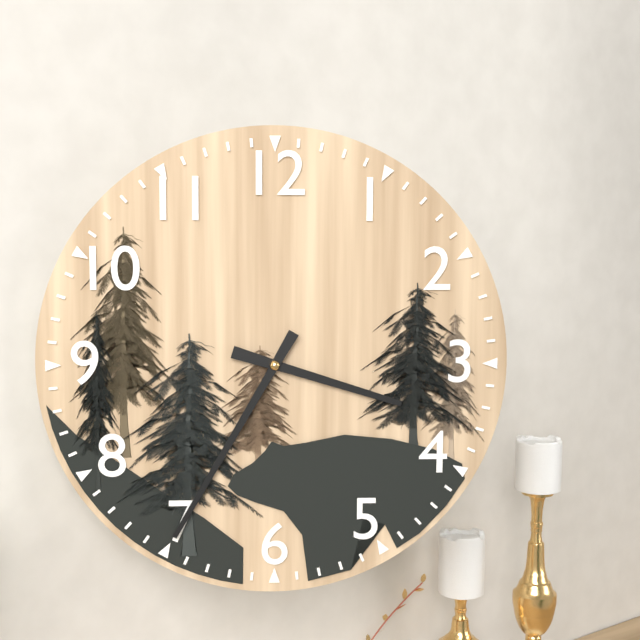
**3:35**
